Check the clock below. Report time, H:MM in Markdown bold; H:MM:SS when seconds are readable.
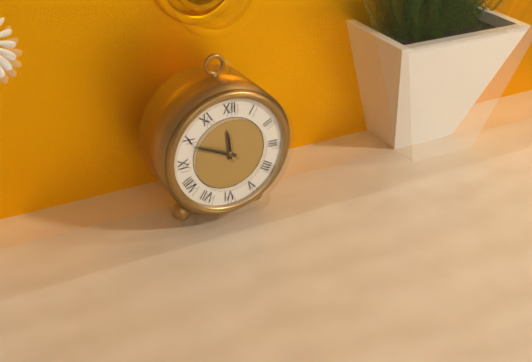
**11:49**
